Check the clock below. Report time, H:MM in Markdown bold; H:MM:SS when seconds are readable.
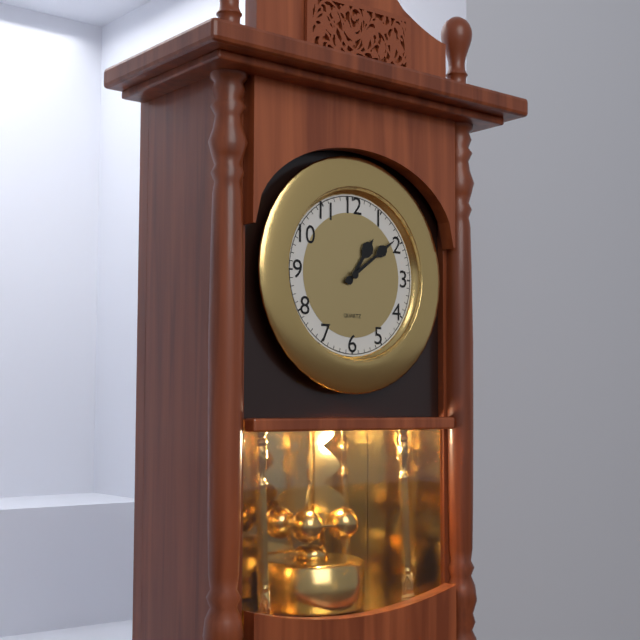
**1:09**
